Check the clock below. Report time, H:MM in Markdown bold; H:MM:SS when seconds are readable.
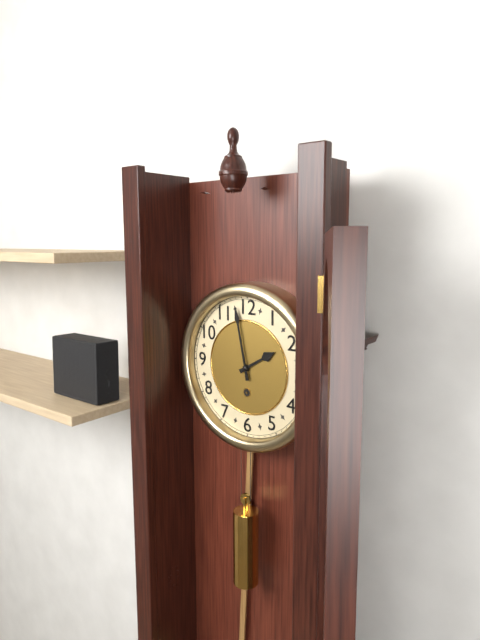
**1:58**
